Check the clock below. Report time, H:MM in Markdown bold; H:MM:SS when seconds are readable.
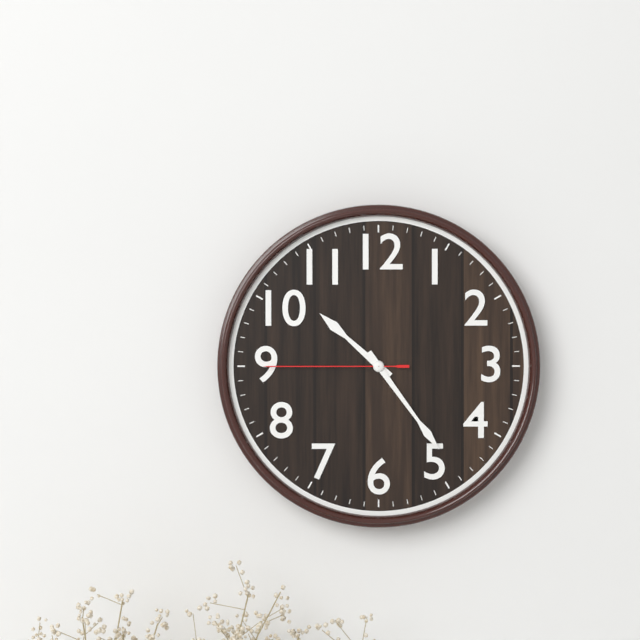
**10:24:45**
